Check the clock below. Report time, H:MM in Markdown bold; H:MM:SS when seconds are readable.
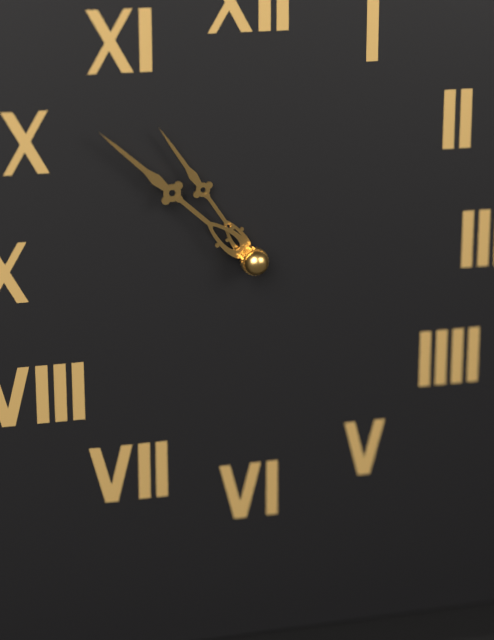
**10:52**
